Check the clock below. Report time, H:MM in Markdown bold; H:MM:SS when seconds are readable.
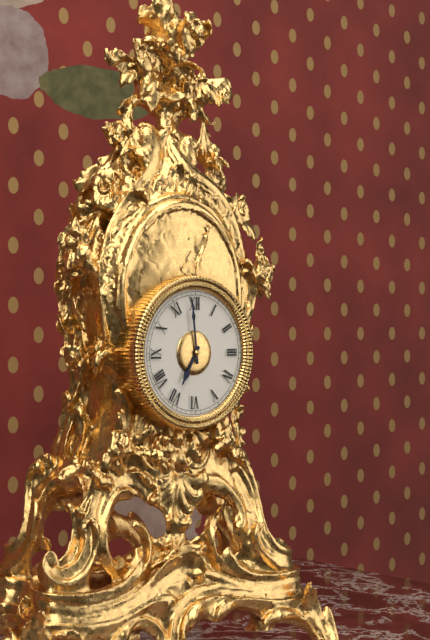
**6:59**
